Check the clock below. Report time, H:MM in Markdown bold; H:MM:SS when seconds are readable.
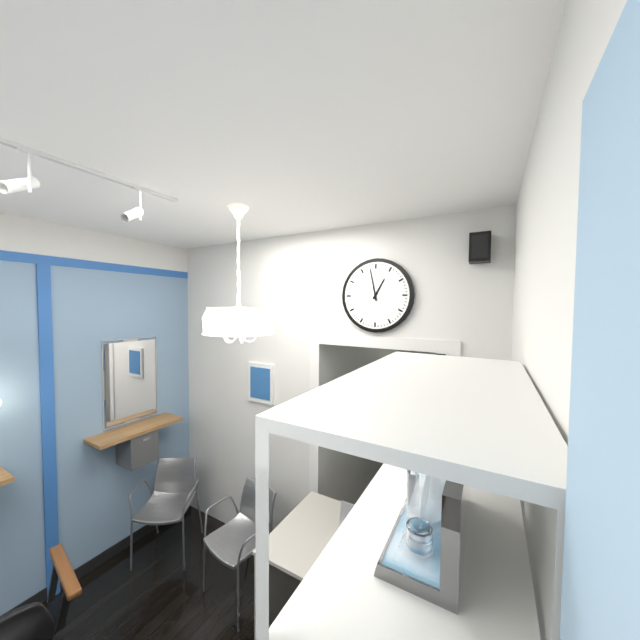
**12:58**
